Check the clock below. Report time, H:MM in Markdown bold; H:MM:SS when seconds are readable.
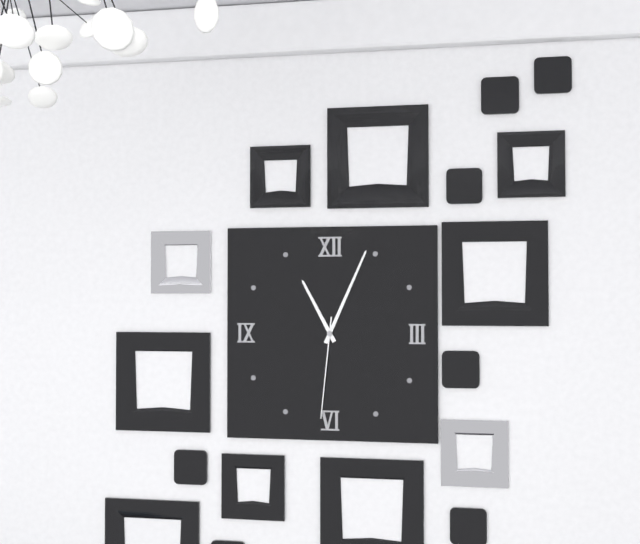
**11:04:31**
